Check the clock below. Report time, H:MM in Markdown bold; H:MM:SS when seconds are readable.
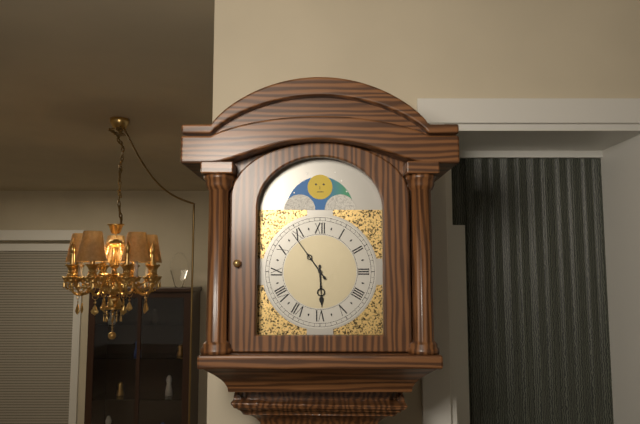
**5:54**
